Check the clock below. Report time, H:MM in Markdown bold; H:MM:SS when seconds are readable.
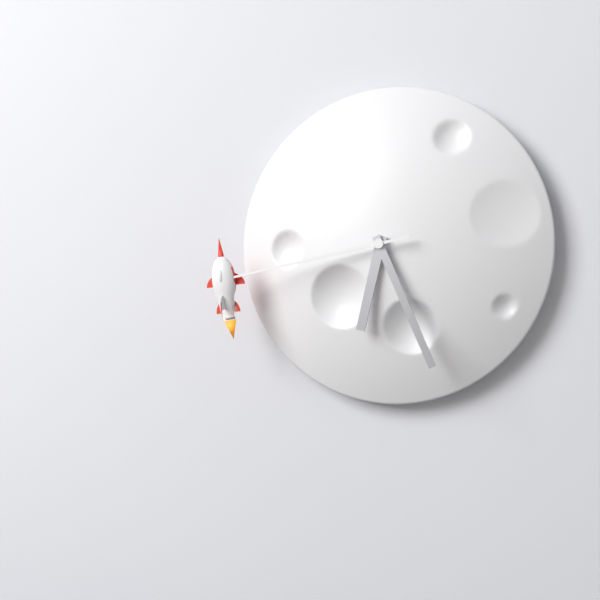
**6:26:43**
